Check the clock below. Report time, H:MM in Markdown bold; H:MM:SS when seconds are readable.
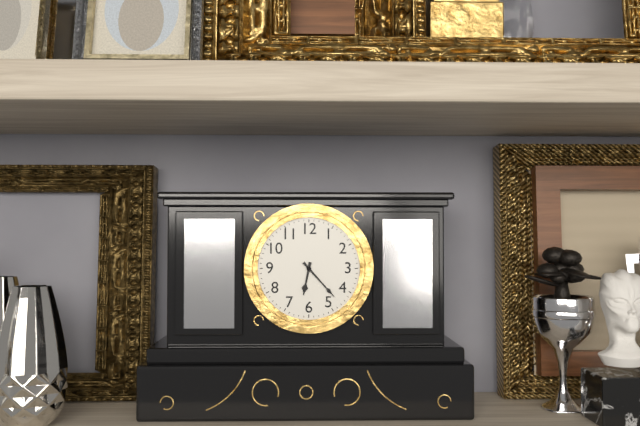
**6:23**
